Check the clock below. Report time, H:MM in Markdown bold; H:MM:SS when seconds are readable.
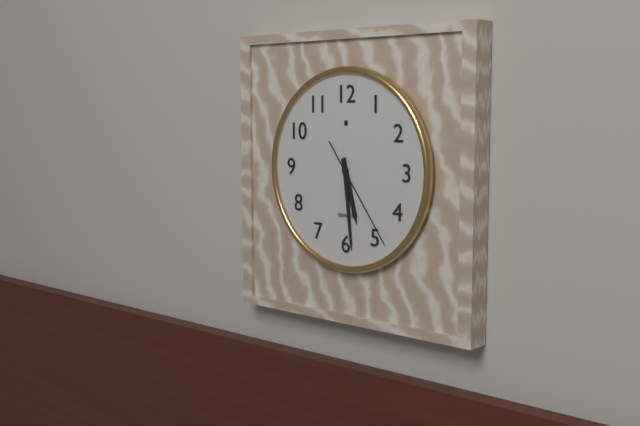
**5:29:24**
